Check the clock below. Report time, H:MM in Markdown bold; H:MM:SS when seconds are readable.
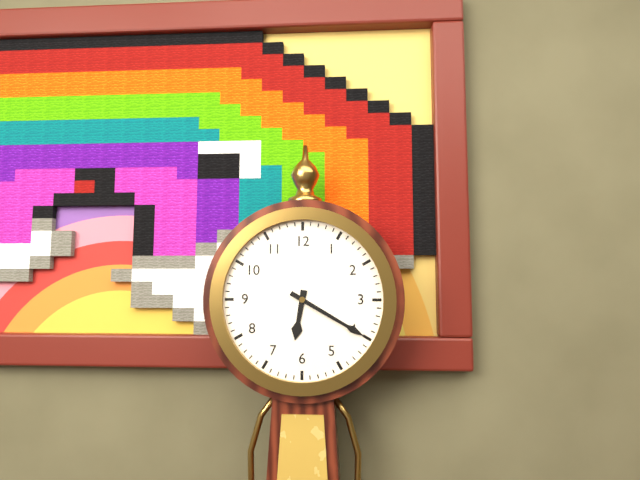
**6:20**
